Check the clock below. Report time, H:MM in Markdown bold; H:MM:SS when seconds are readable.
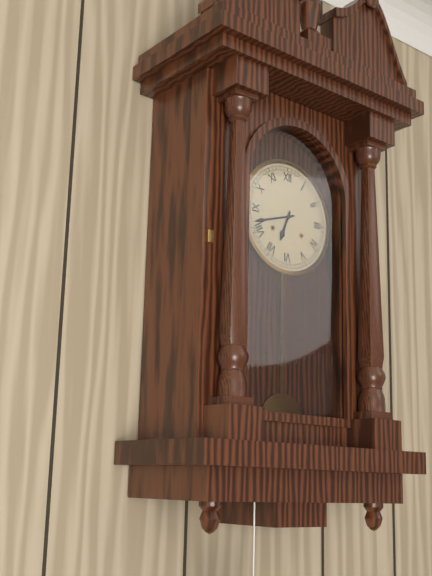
**6:42**
